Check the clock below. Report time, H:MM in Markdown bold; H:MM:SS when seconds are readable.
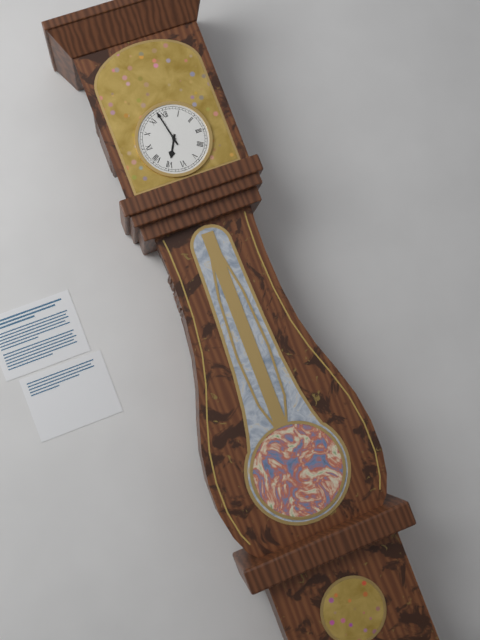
**6:58**
